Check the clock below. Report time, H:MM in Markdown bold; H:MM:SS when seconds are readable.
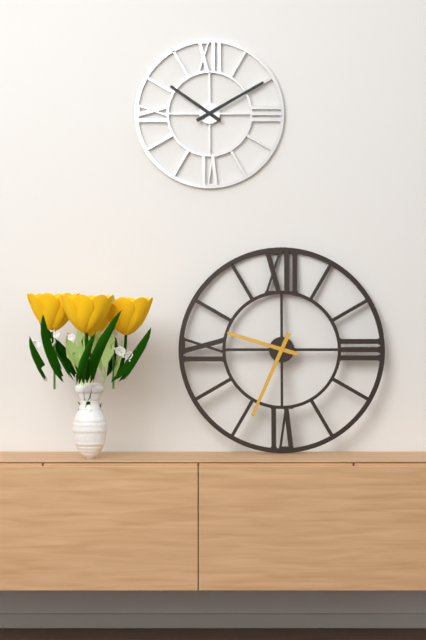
**9:34**
